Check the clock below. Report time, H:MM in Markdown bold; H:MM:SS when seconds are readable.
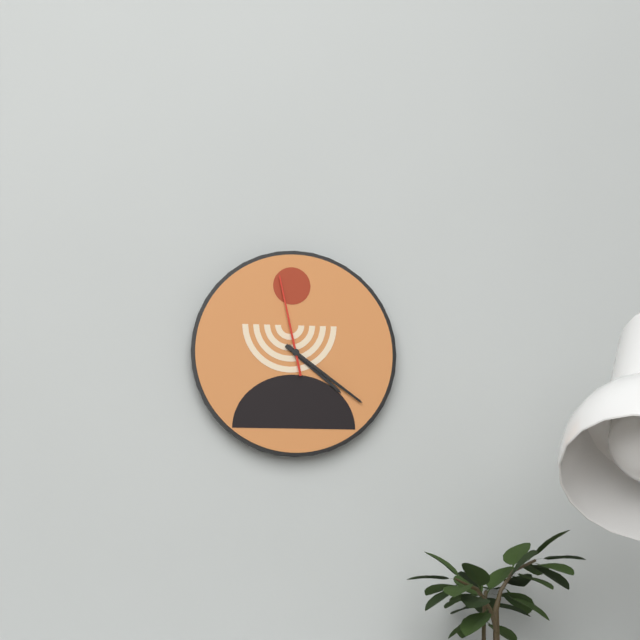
**4:21:58**
